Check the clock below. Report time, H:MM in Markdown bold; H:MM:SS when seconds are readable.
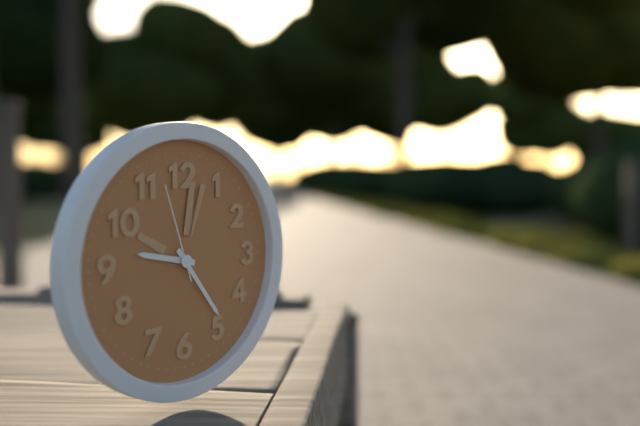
**9:24:57**
